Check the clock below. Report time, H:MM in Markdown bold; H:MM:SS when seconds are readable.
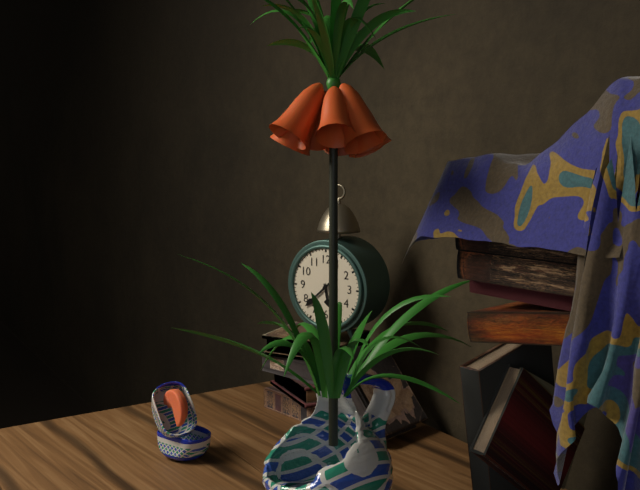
**5:38**
